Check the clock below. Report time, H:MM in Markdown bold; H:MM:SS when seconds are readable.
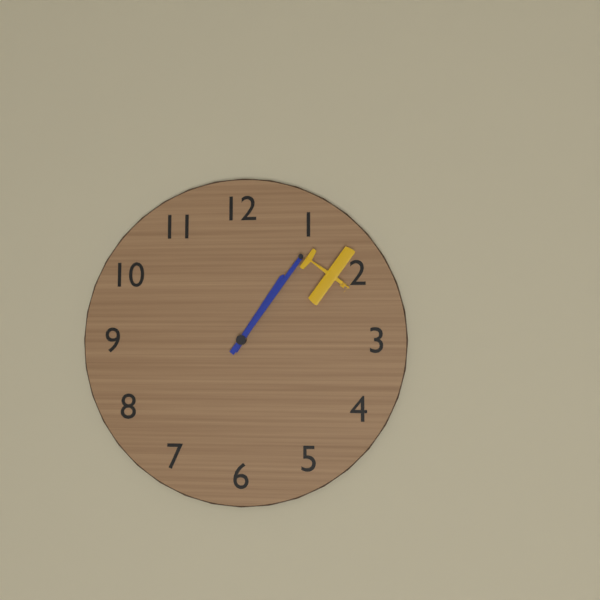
**1:06**
